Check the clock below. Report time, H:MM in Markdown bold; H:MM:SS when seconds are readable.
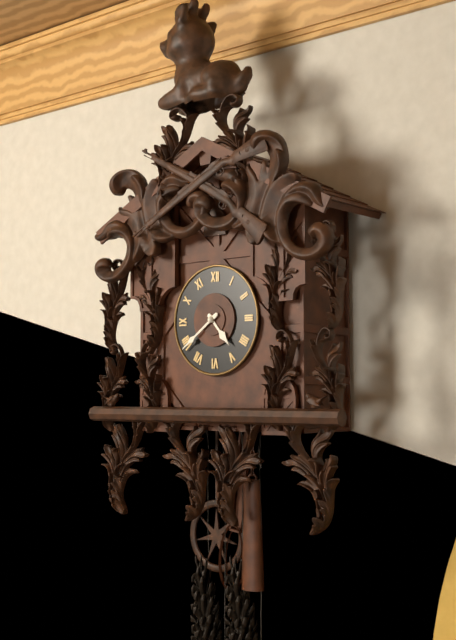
**4:39**
